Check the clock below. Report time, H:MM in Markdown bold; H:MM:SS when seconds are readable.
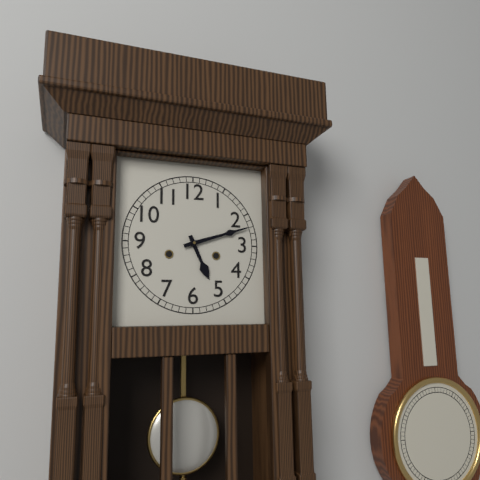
**5:12**
